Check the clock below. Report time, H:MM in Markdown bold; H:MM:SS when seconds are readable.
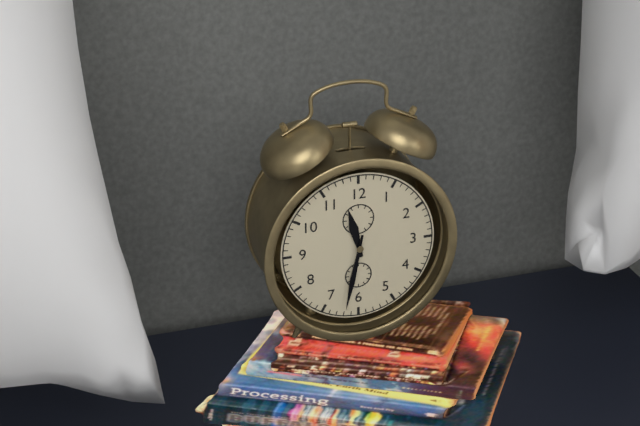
**11:32**
